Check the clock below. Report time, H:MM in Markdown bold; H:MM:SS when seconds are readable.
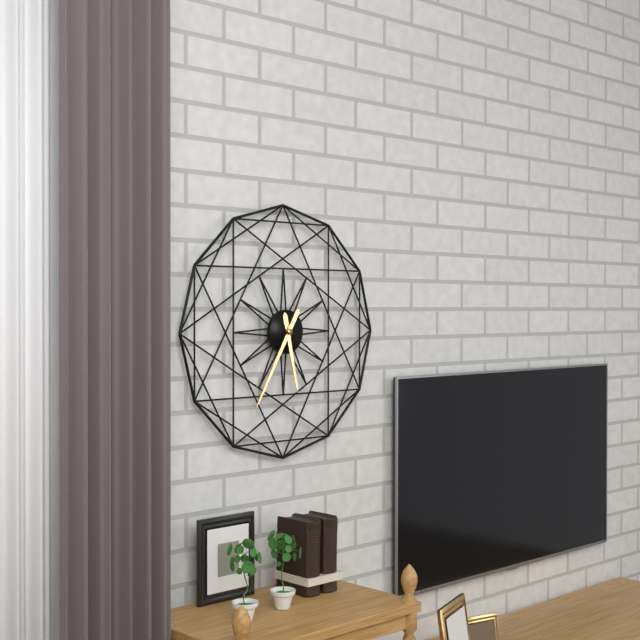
**5:35**
